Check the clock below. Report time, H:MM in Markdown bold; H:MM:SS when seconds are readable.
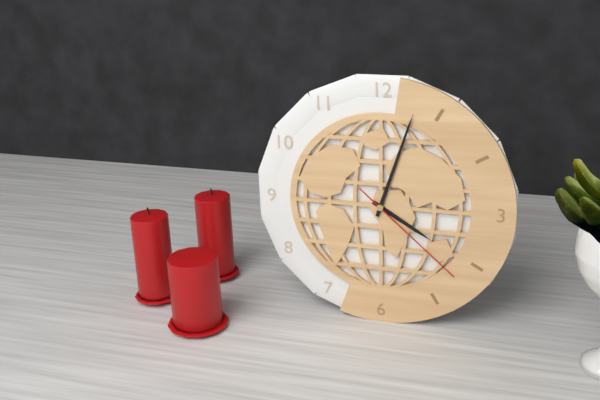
**4:03:22**
